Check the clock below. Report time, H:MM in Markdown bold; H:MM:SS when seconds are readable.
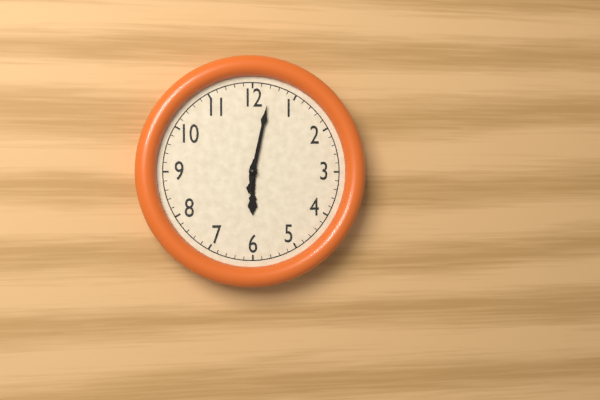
**6:02**
